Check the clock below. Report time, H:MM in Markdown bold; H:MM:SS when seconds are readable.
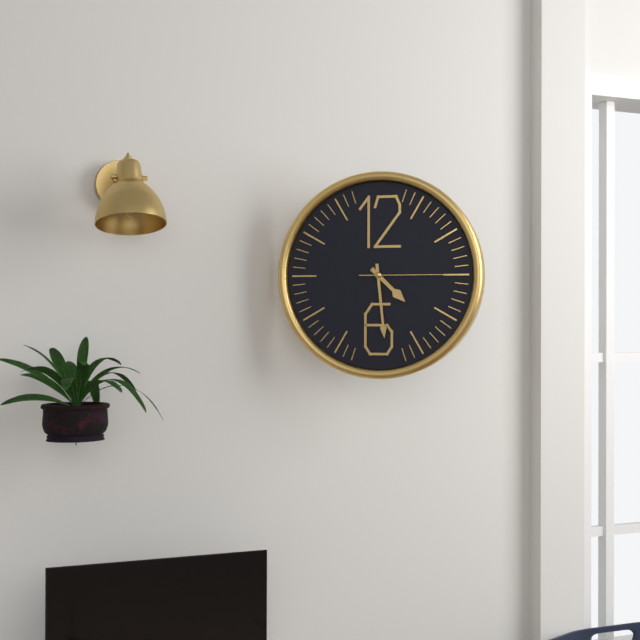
**4:29:15**
